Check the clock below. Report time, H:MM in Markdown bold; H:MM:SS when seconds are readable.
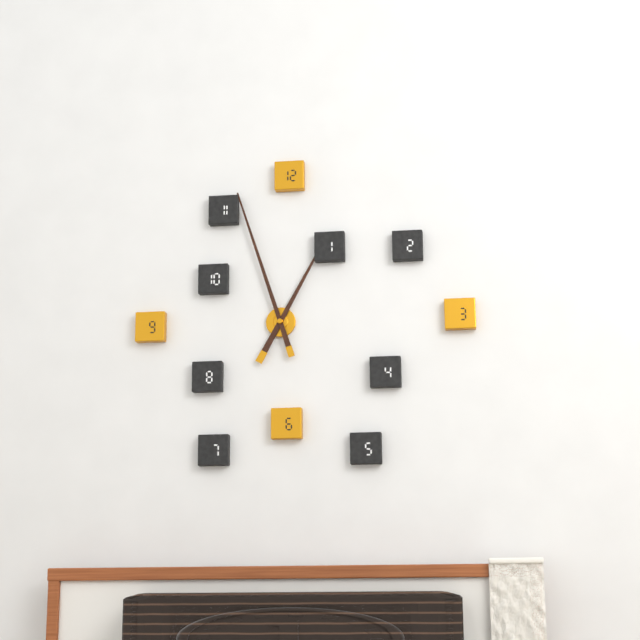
**12:57**
